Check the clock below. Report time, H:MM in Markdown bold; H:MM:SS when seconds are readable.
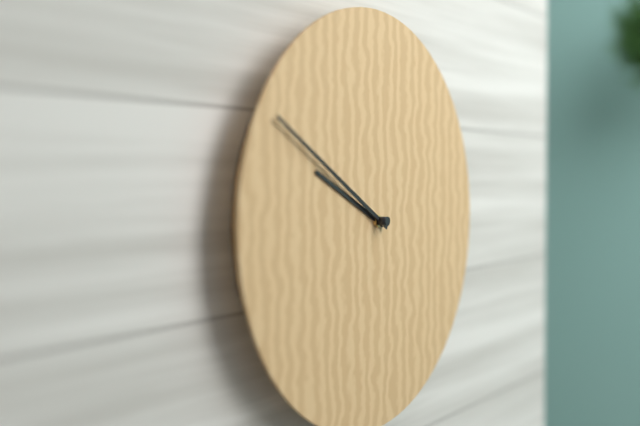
**9:50**
